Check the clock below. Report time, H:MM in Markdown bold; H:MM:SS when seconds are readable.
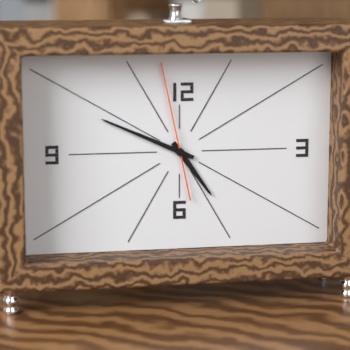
**4:49:58**
